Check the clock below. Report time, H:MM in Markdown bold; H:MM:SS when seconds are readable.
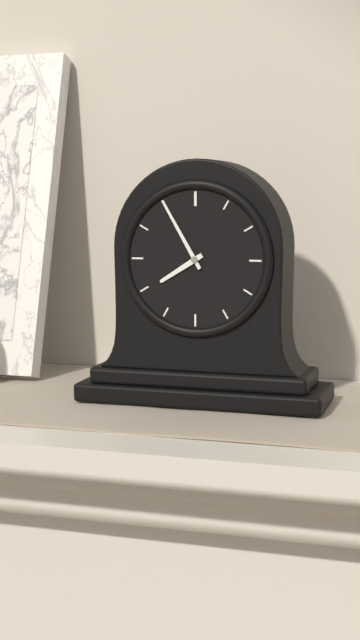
**7:55**
